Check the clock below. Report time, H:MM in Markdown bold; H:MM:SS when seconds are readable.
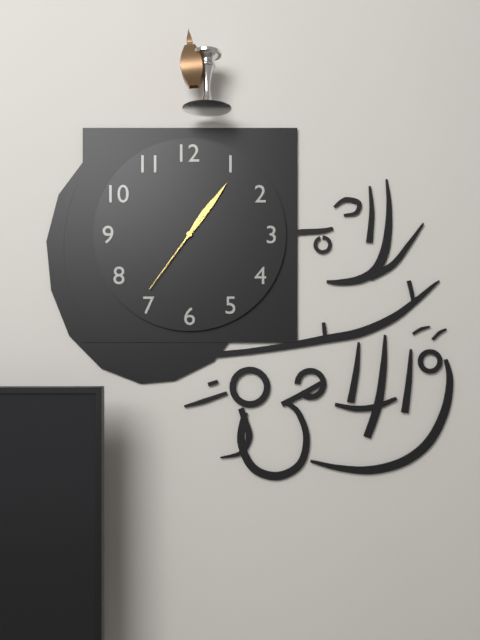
**1:06:36**
